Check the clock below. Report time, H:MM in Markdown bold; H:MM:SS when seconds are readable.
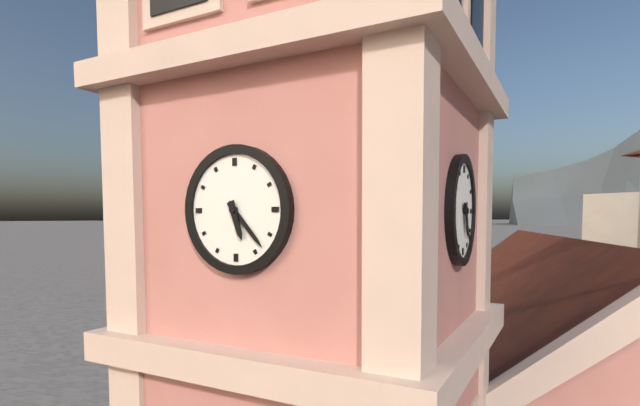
**5:23**
